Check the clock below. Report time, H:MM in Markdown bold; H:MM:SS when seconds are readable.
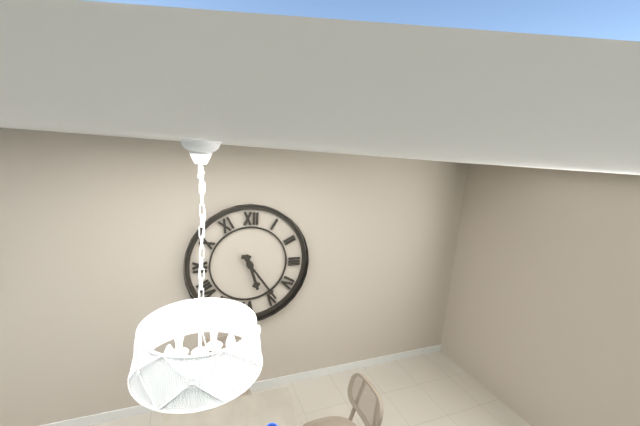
**5:24**
